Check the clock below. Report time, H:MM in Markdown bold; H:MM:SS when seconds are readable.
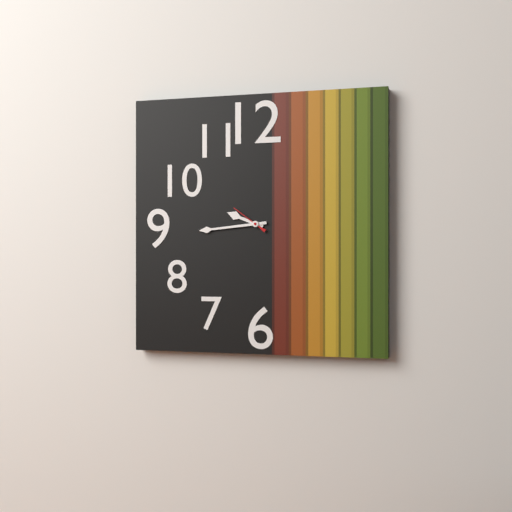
**9:44**
